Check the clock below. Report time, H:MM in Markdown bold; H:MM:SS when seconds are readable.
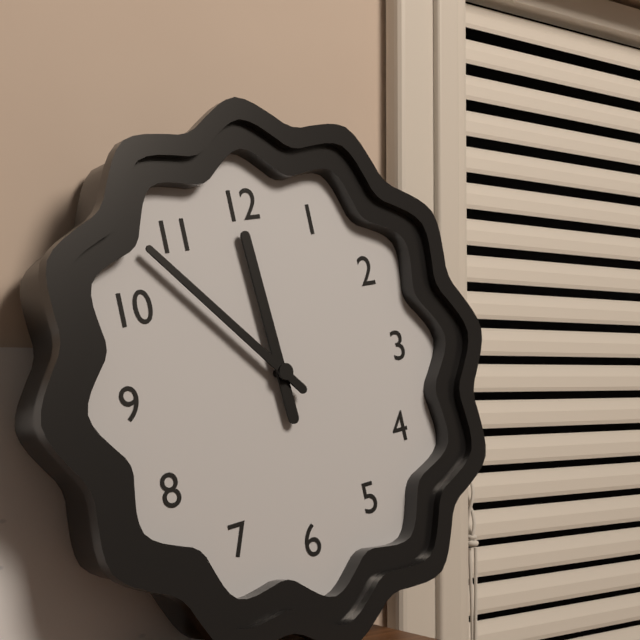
**11:53**
